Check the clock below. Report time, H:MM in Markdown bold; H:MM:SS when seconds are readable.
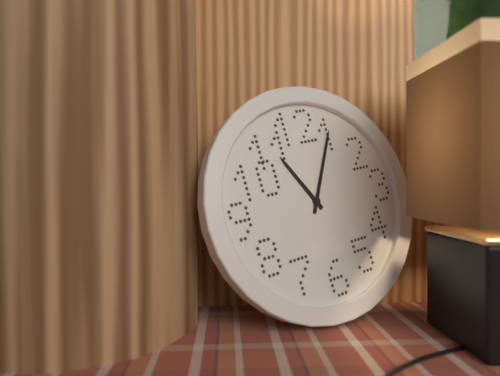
**11:05**
